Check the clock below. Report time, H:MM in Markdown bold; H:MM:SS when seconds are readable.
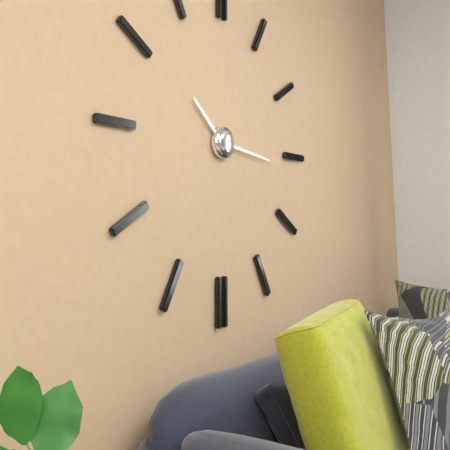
**10:16**
